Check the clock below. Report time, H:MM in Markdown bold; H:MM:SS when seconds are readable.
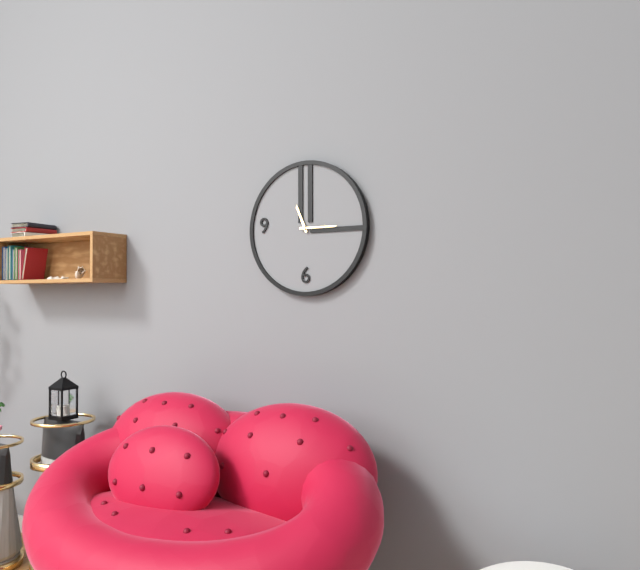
**11:15**
